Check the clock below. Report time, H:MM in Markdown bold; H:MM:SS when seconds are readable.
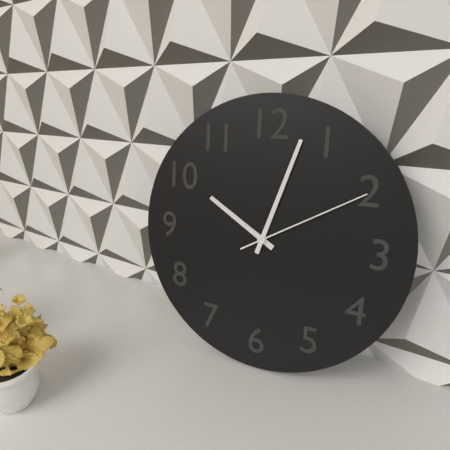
**10:03:10**
